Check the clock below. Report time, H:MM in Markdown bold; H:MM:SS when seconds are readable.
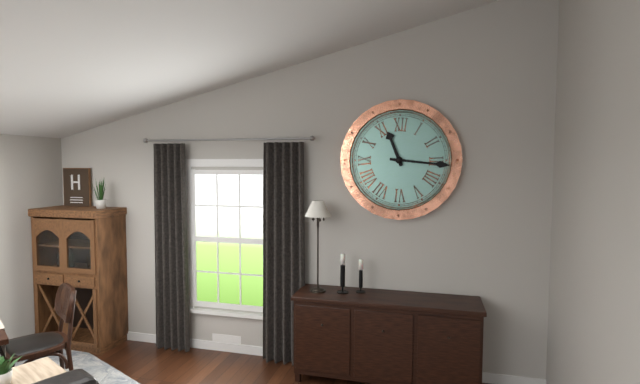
**11:16**
